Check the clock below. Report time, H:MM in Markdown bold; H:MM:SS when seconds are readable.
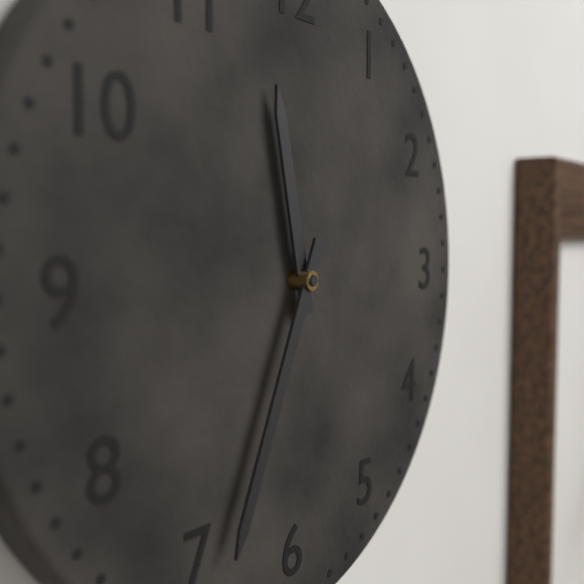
**11:34**
